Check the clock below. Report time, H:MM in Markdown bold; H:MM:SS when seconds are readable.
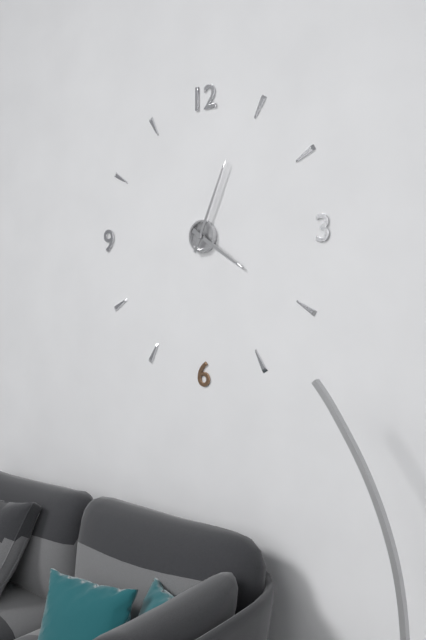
**4:04**
